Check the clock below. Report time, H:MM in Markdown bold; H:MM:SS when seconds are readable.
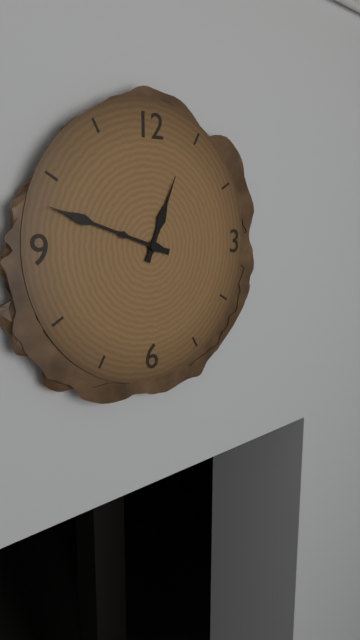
**12:48**
